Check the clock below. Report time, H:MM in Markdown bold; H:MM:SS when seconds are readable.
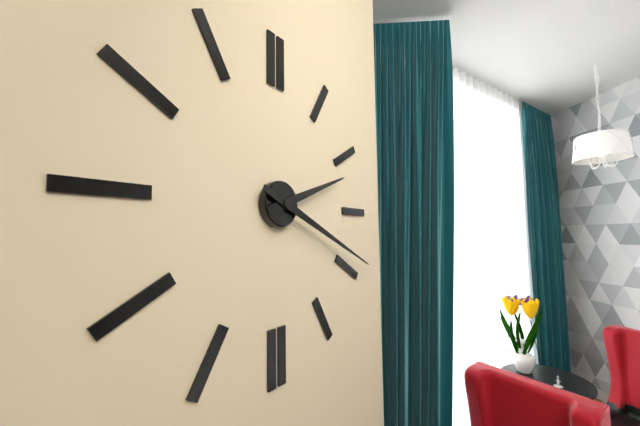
**2:19**
